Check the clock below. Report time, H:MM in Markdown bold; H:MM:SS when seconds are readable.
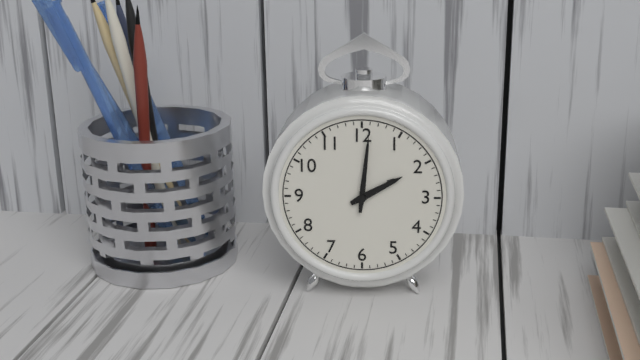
**2:01**
